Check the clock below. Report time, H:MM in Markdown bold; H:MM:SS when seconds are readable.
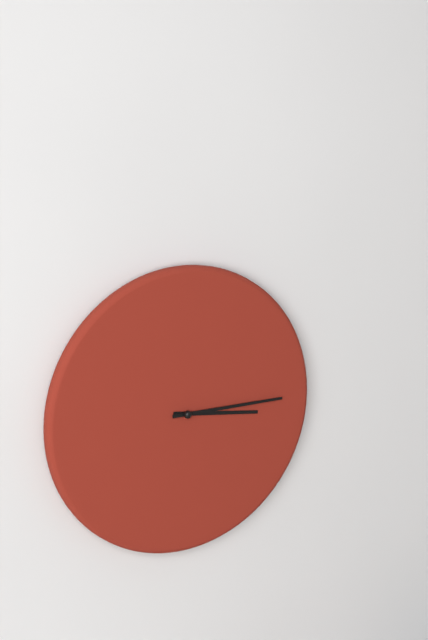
**3:15**
